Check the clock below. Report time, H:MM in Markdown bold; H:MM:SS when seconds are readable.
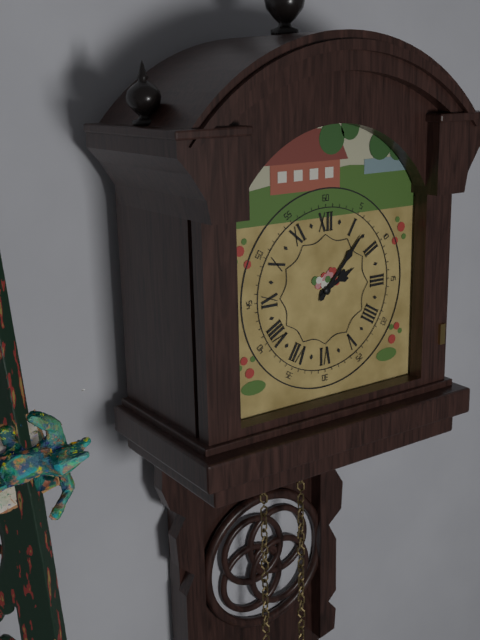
**2:07**
